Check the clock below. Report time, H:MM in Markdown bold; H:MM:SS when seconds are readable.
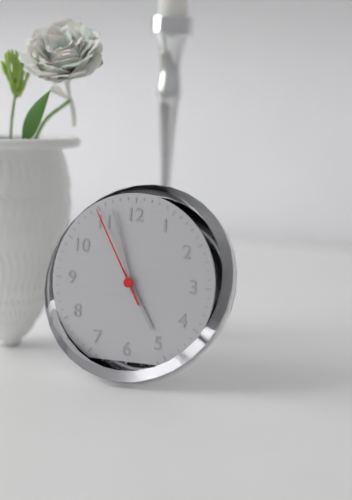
**4:57:55**
